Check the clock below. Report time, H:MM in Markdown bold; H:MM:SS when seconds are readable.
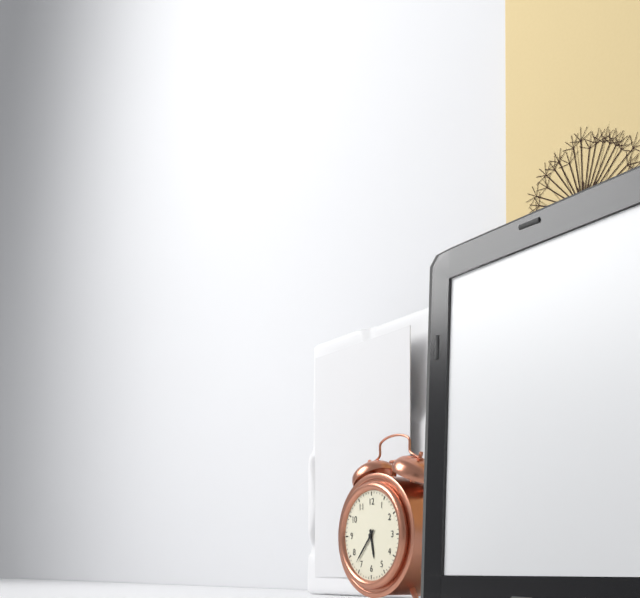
**5:37**
